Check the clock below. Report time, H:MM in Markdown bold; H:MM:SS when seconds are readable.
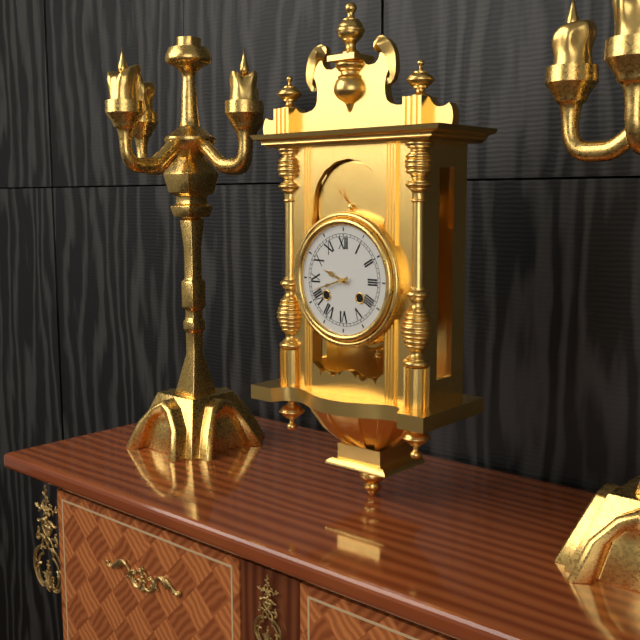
**9:42**
